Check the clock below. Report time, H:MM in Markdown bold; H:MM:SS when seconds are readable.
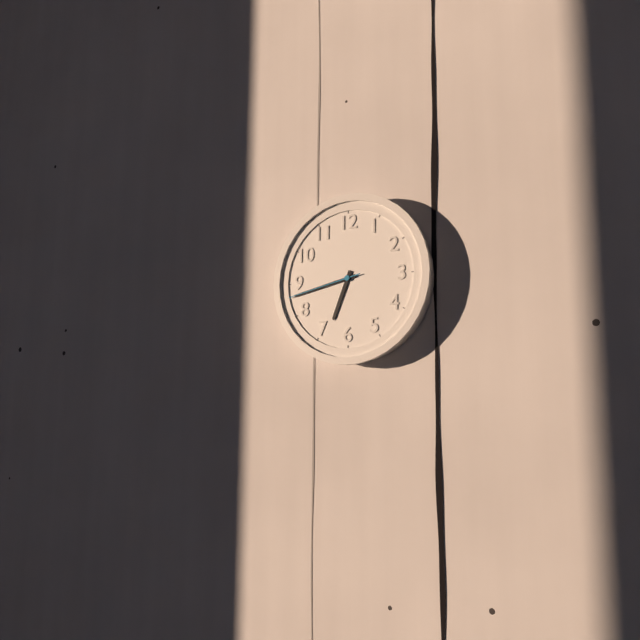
**6:43:43**
